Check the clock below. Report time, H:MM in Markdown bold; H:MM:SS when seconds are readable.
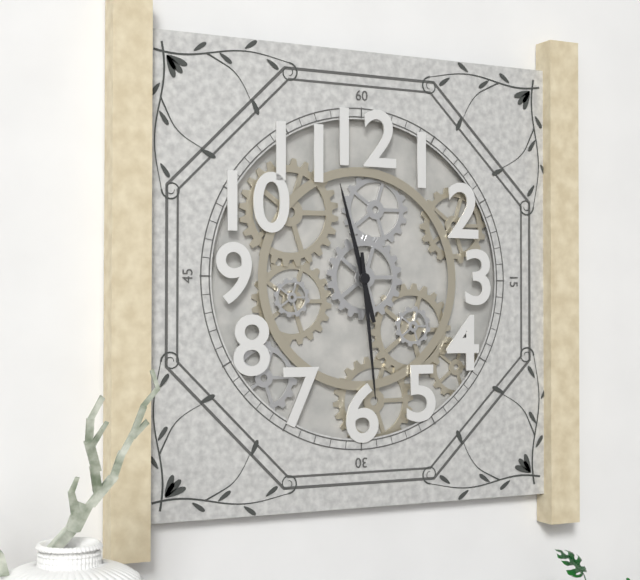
**11:29**
